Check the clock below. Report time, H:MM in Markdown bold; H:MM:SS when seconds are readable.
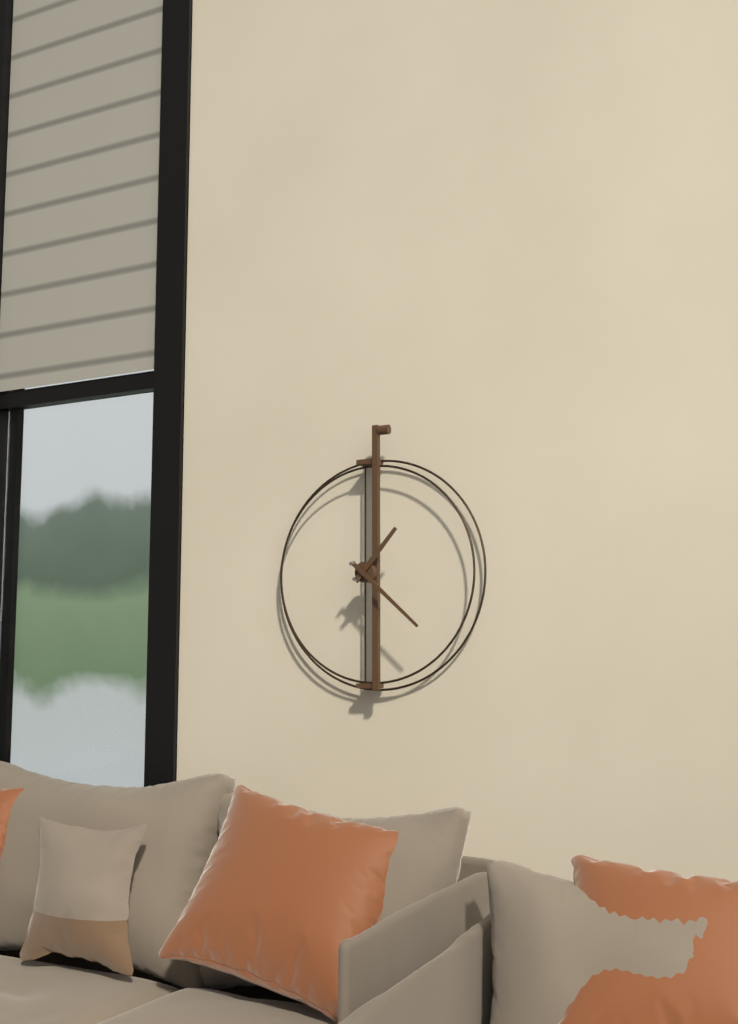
**1:22**
